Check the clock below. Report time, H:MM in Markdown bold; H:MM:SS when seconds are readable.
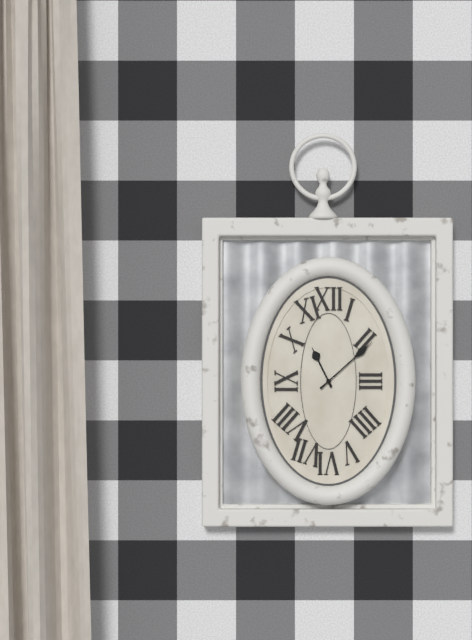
**11:08**
